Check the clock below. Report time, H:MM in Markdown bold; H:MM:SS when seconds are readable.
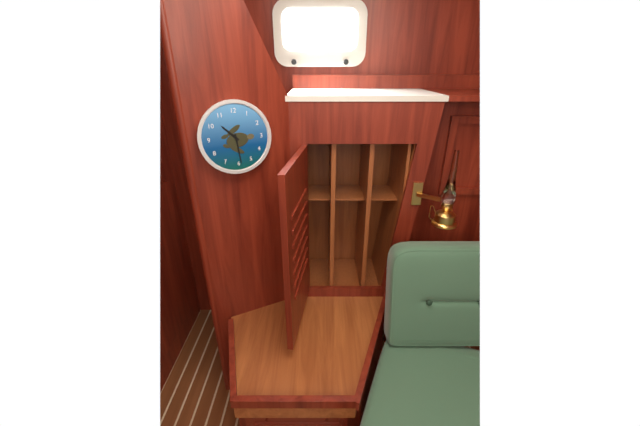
**10:29**
